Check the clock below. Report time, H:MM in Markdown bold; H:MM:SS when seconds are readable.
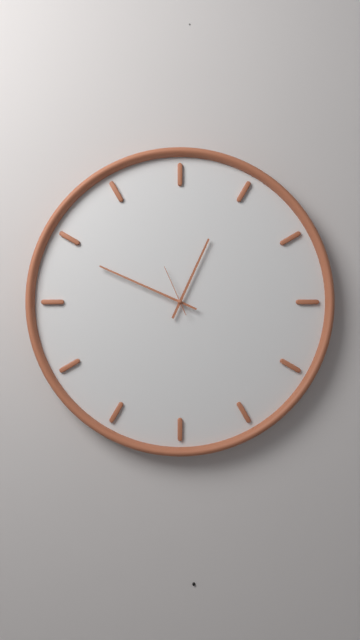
**12:49**
